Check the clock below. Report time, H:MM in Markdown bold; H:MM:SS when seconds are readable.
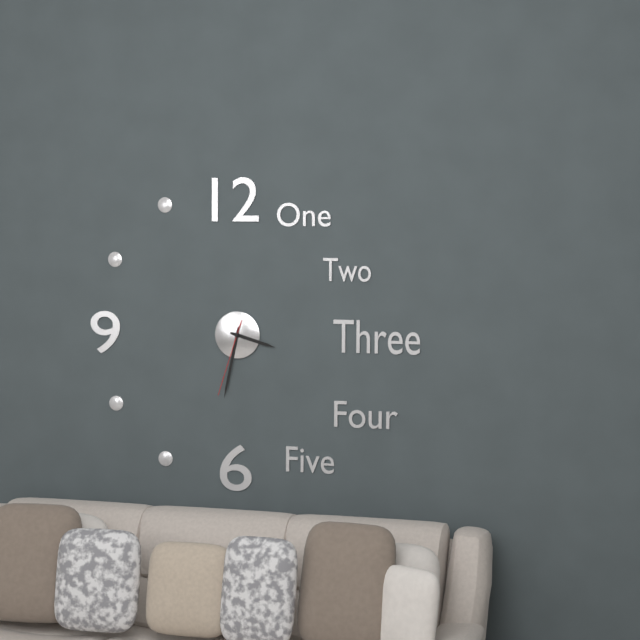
**3:32:33**
